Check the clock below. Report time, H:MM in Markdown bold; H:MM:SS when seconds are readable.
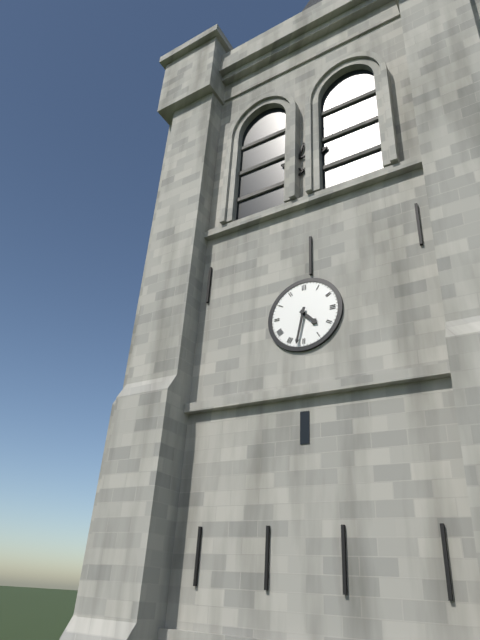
**4:32**
